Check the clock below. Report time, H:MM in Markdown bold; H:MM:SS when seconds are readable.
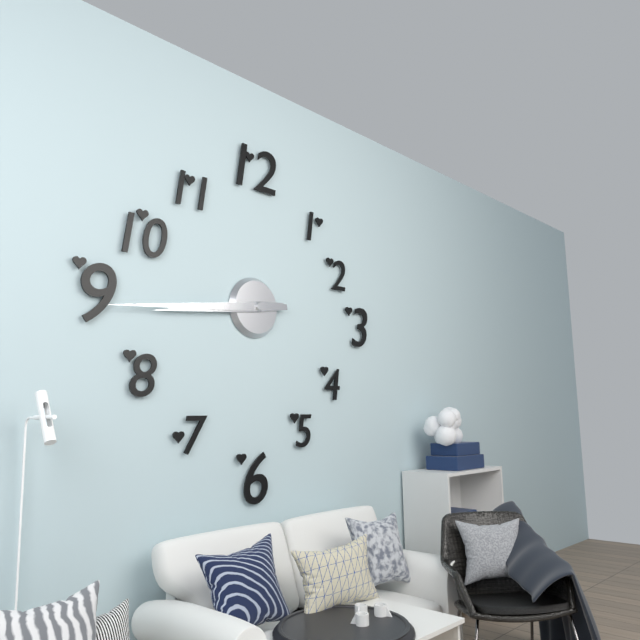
**8:44**
